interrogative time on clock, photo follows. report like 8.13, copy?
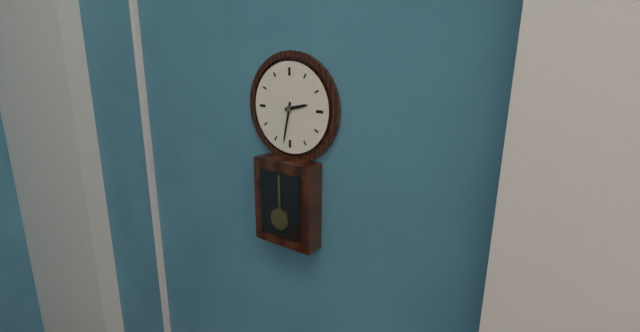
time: 2.32
